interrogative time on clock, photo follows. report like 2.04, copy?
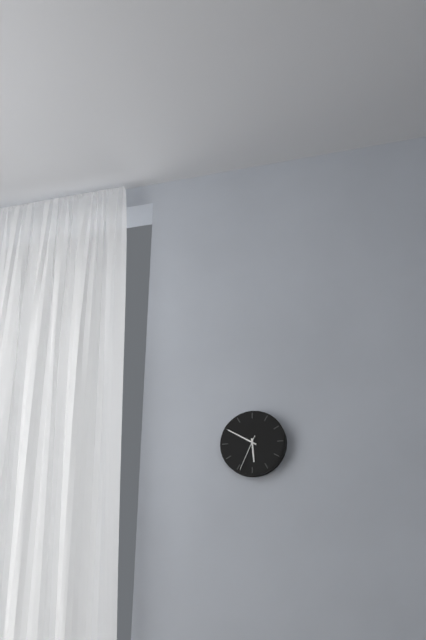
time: 5.50
